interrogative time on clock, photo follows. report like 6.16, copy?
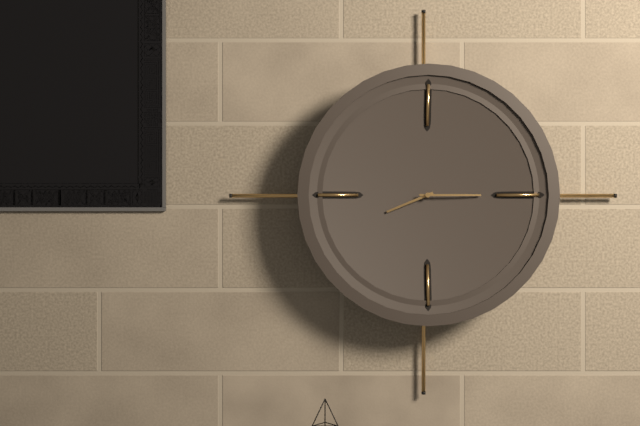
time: 8.15
